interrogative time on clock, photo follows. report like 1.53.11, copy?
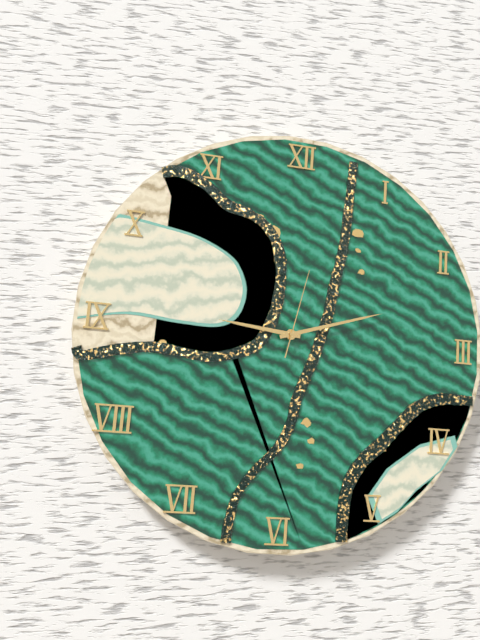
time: 9.12.02
